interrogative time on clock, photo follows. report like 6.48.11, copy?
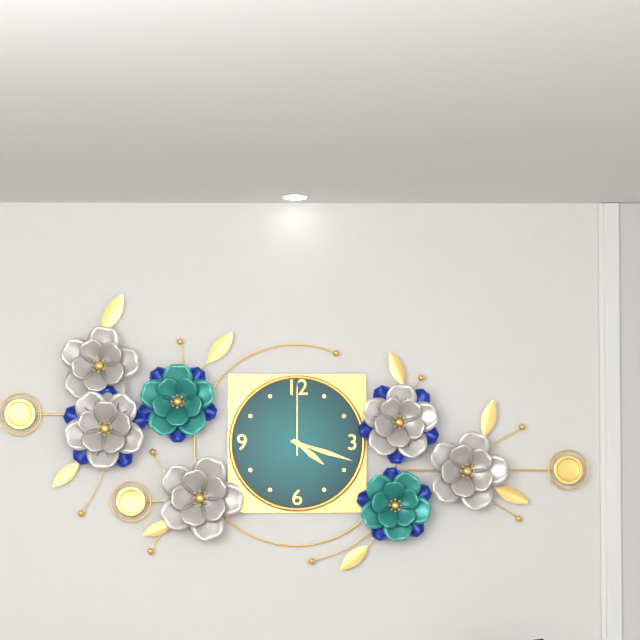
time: 4.18.00
